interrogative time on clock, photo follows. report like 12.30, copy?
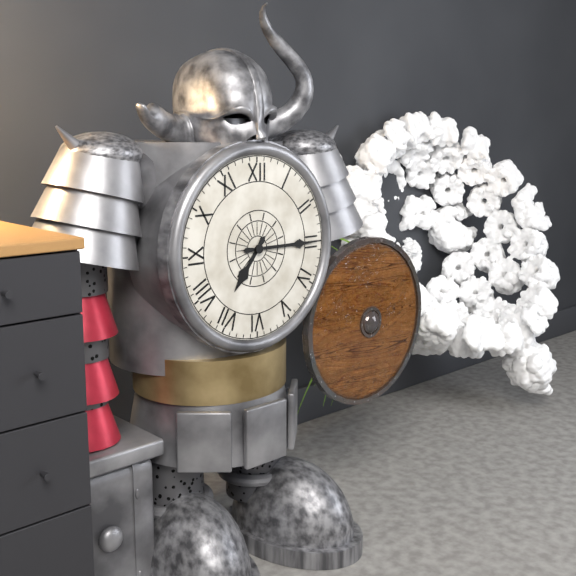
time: 7.15
